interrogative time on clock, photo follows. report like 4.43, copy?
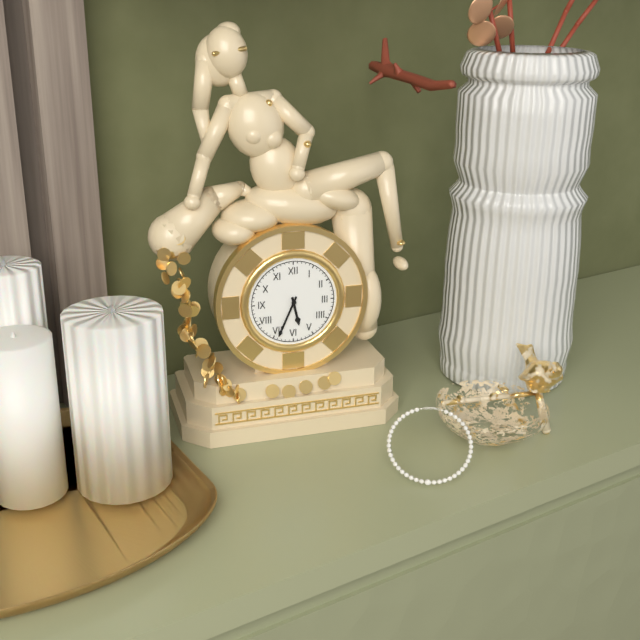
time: 5.34
